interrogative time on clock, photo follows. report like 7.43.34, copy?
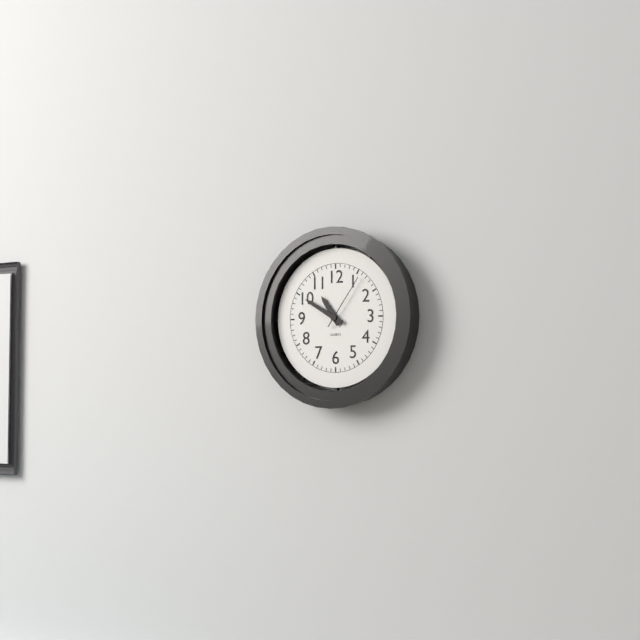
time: 10.50.06
